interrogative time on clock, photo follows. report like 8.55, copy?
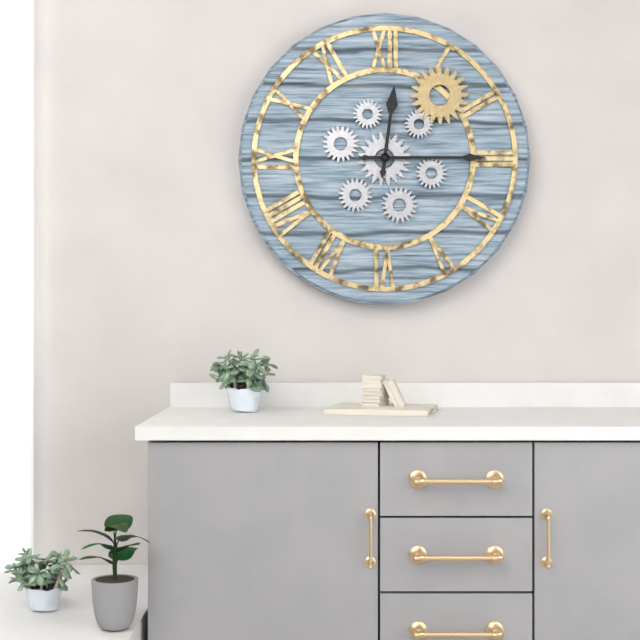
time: 12.15
